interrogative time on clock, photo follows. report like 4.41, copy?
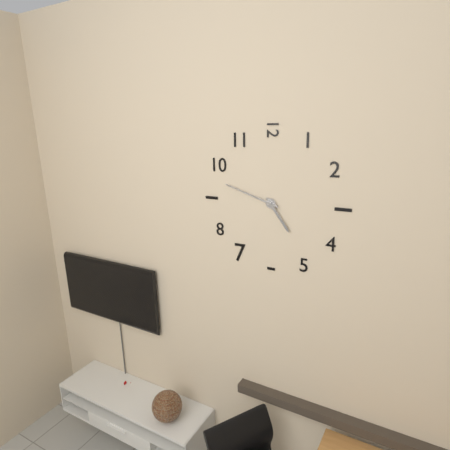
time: 4.48
